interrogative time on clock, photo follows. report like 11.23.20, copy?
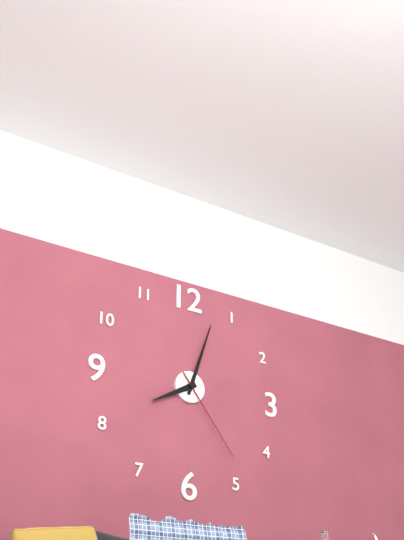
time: 8.03.24
